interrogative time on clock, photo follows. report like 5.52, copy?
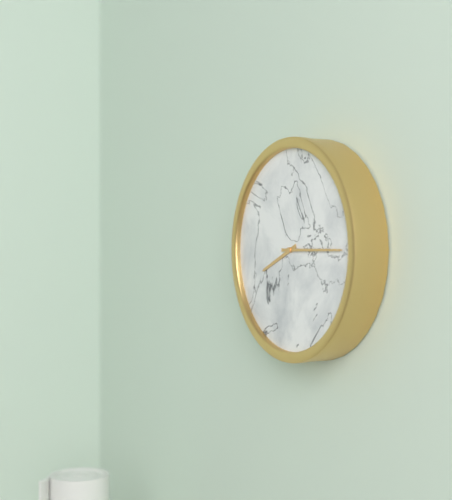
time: 8.15
